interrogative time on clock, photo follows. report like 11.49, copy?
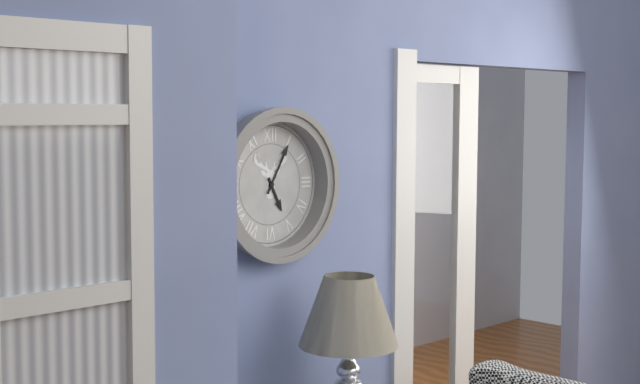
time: 5.05
